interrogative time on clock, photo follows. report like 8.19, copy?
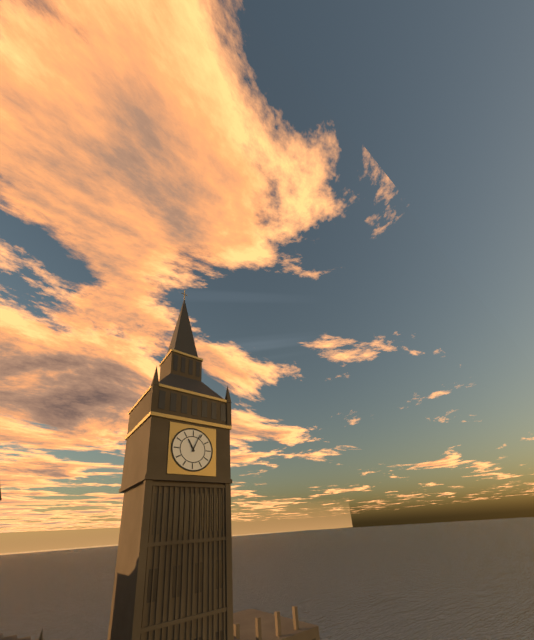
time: 11.04
